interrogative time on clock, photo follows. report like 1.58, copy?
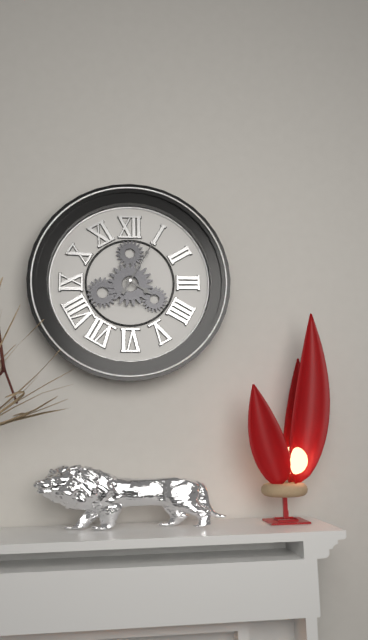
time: 4.05
